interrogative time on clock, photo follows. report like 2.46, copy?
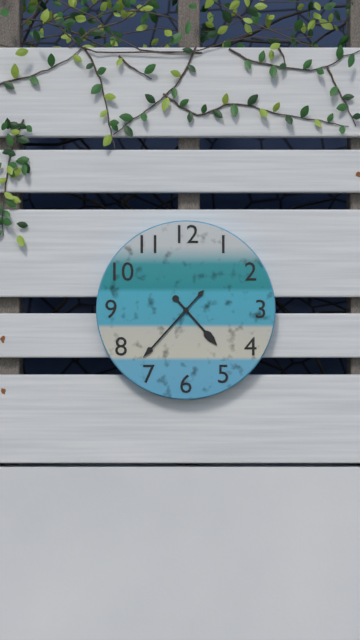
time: 4.37
